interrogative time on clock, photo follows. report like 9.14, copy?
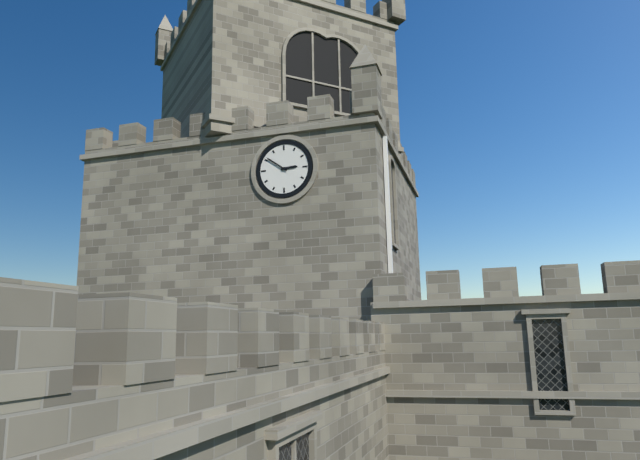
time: 2.51
